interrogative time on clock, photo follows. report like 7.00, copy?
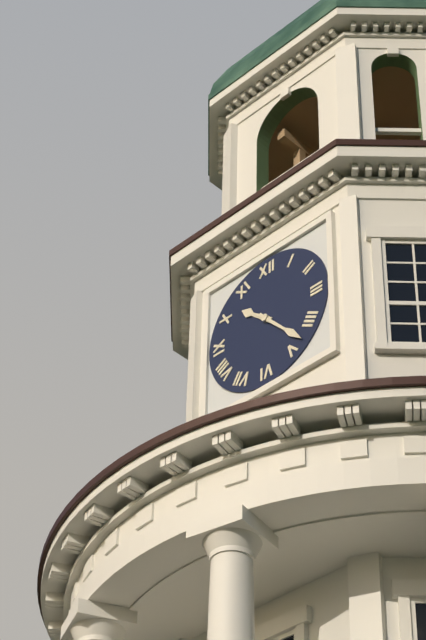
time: 10.23
